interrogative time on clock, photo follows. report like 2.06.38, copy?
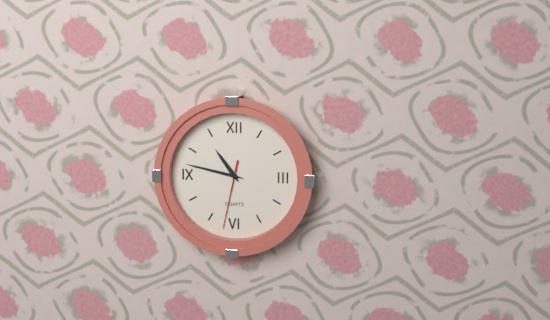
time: 10.47.32
